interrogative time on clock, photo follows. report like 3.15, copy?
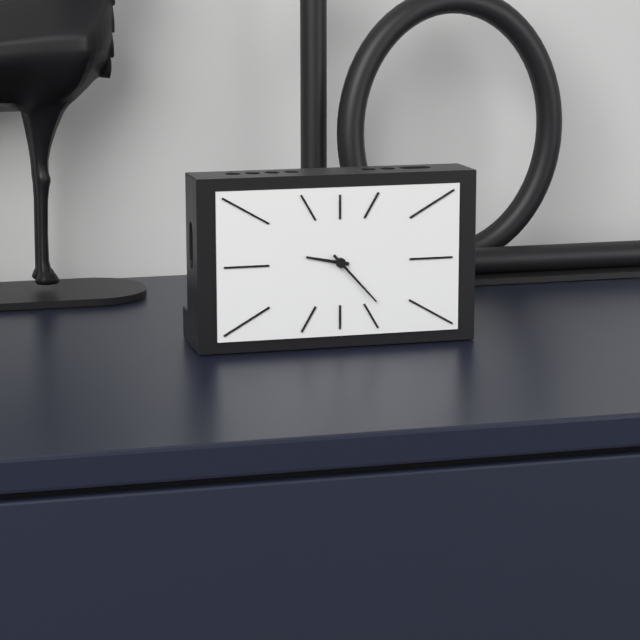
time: 9.23
